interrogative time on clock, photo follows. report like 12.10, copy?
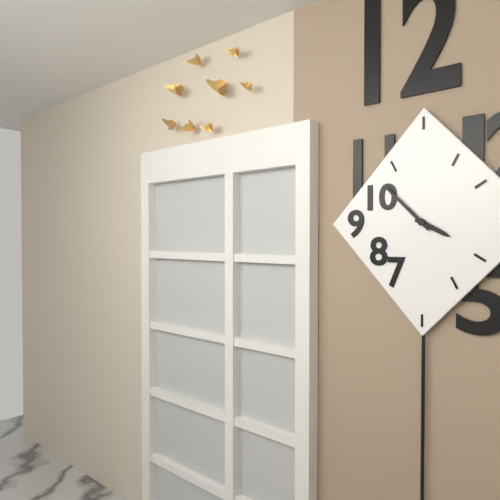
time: 3.52
